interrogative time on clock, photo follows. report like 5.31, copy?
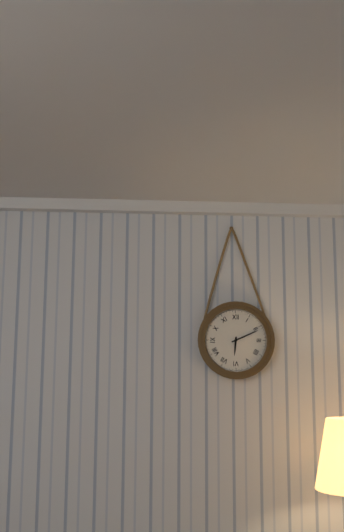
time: 6.11
